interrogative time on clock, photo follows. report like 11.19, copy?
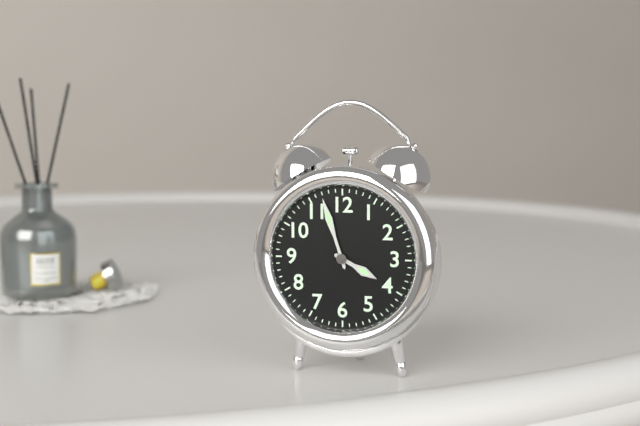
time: 3.57
